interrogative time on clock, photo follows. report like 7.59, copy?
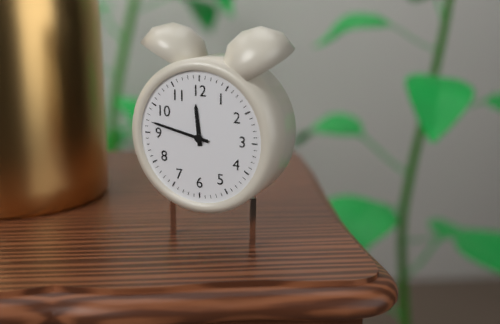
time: 11.47
